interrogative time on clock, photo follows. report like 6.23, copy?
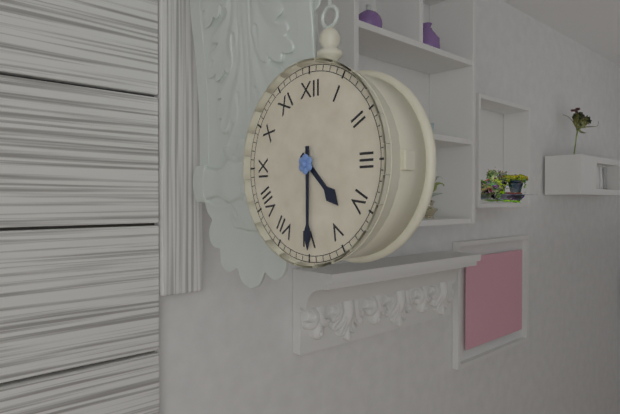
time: 4.30
